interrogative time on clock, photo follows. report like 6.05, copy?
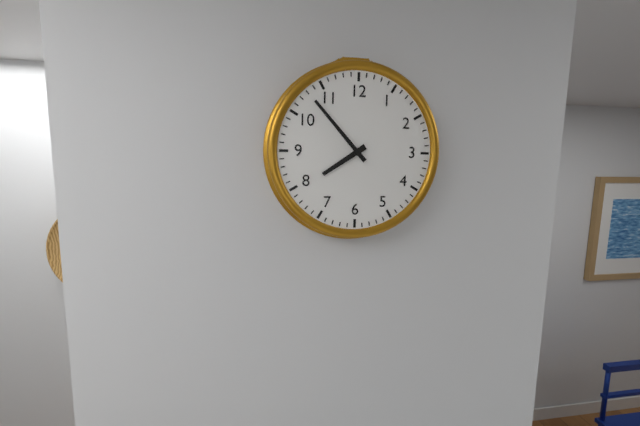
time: 7.53
